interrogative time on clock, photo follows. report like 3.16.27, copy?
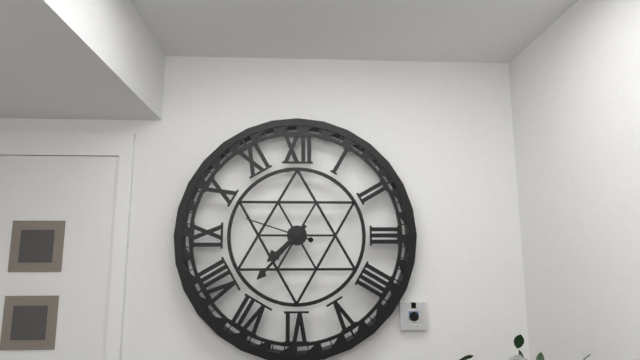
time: 7.37.48
